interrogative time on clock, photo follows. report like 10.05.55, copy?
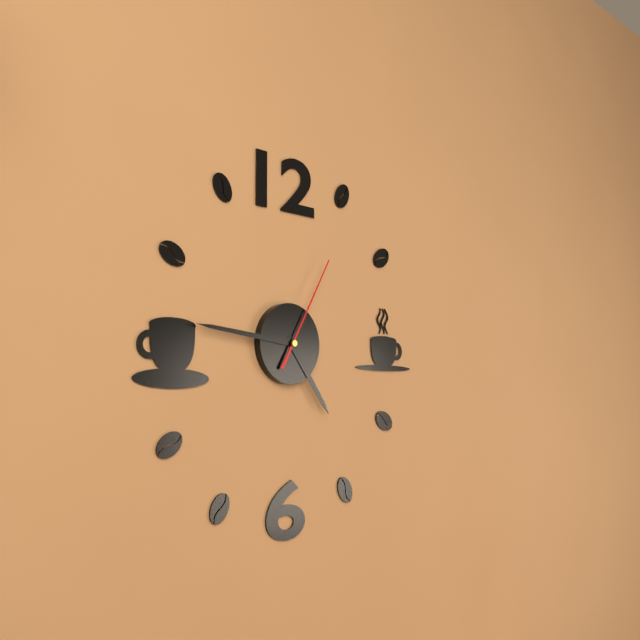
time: 4.46.05
